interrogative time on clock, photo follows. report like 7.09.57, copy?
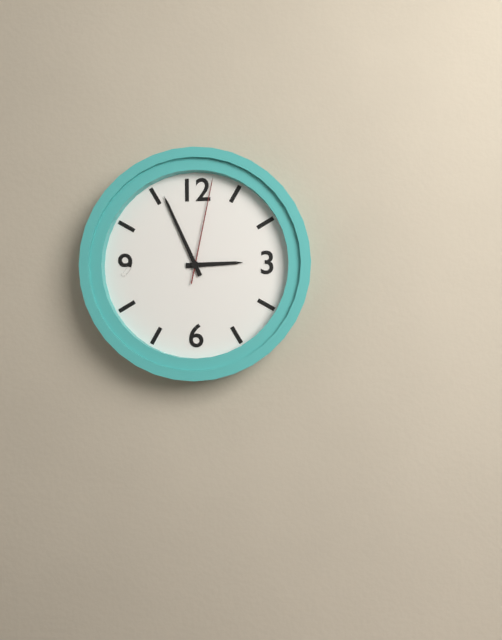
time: 2.56.02
